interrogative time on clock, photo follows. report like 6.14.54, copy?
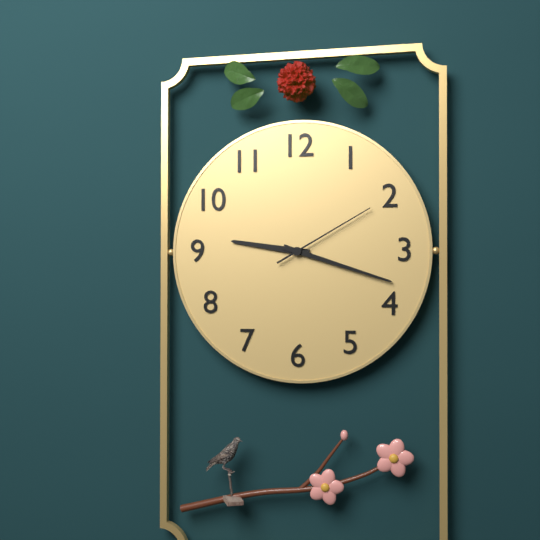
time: 9.18.10
